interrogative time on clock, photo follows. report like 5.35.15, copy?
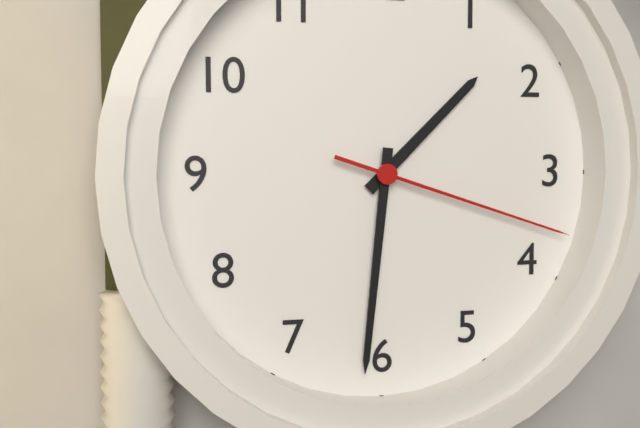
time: 1.31.18
